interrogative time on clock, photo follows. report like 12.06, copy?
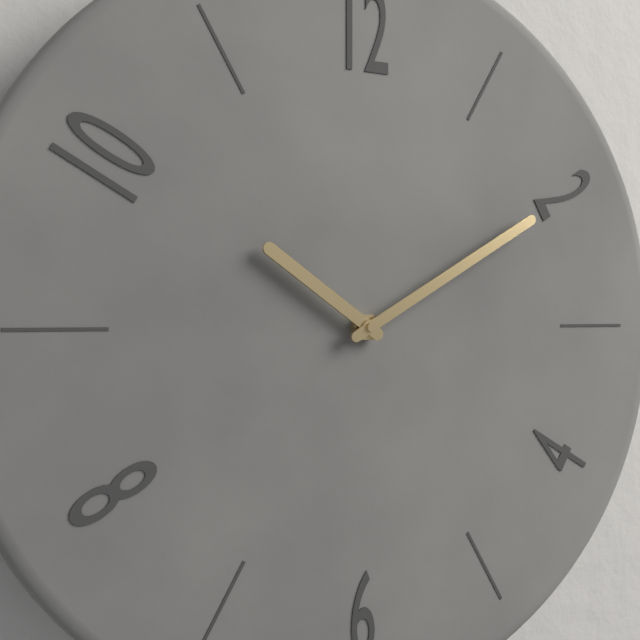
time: 10.10
